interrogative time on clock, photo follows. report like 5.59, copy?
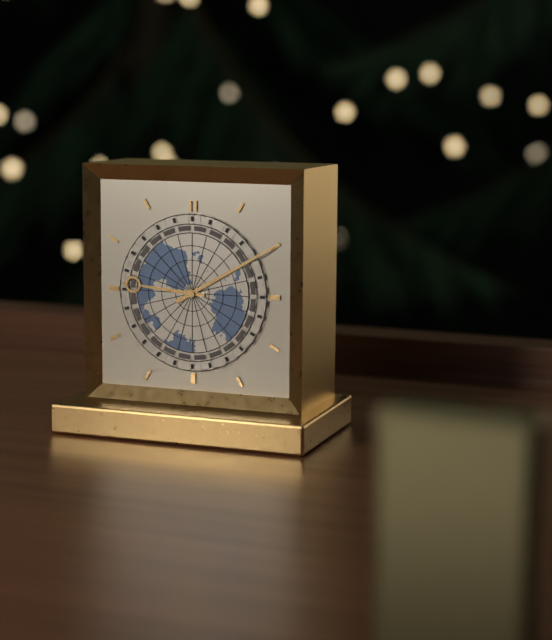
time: 9.10
